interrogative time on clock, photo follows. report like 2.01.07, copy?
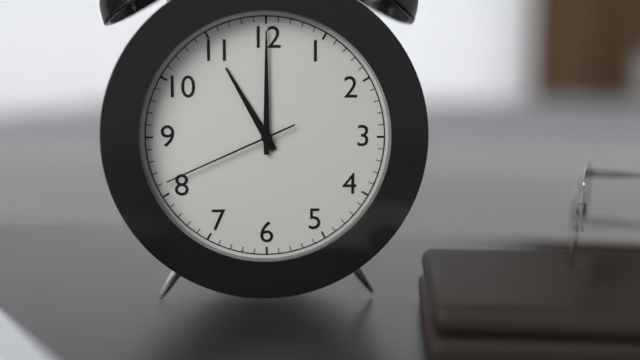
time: 11.00.41
